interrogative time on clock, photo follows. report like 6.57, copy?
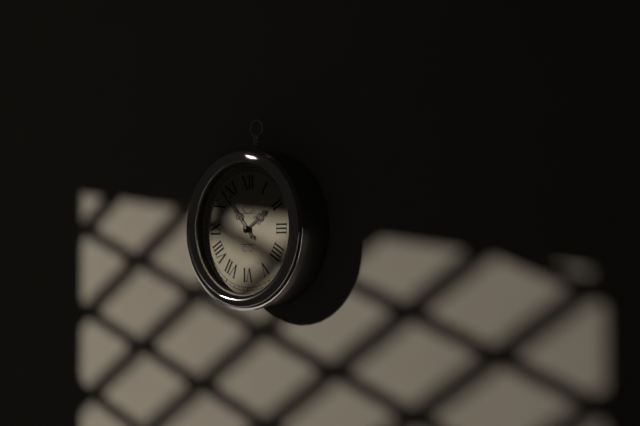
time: 1.53
